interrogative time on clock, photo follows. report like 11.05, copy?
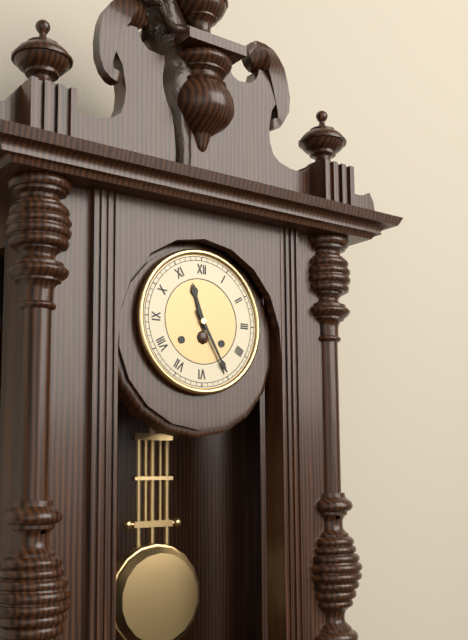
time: 11.25
